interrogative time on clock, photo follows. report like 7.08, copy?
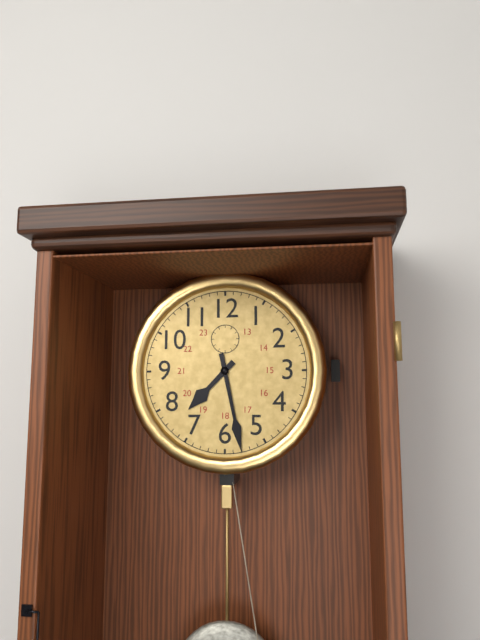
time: 7.28
